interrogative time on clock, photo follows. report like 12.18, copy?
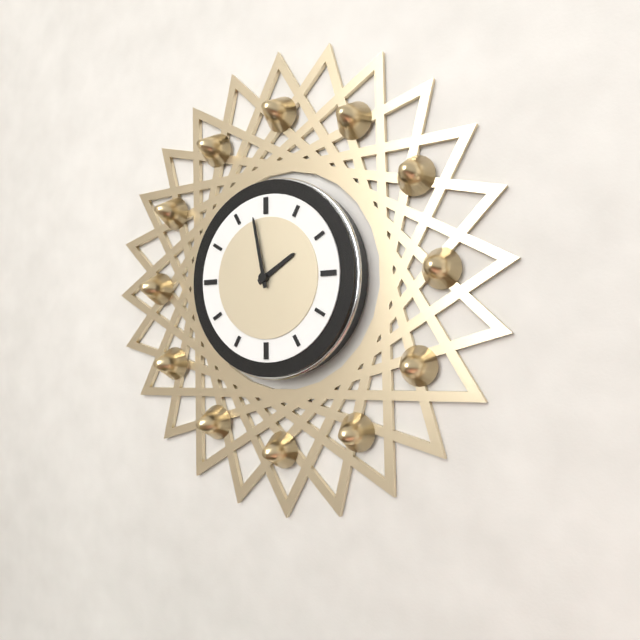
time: 1.58
